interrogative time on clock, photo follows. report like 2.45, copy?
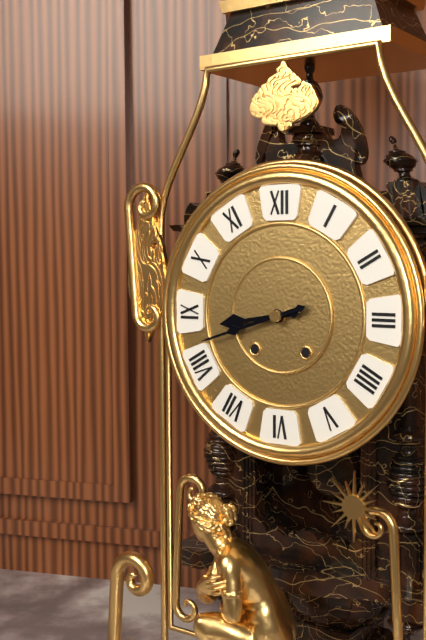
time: 8.42
